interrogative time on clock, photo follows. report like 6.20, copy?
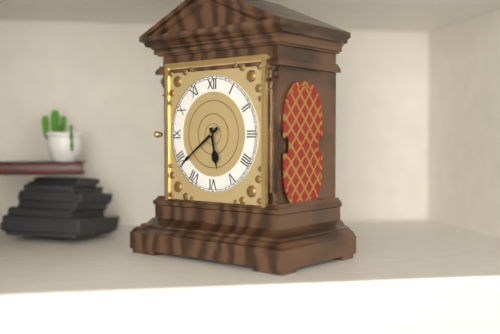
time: 5.39
